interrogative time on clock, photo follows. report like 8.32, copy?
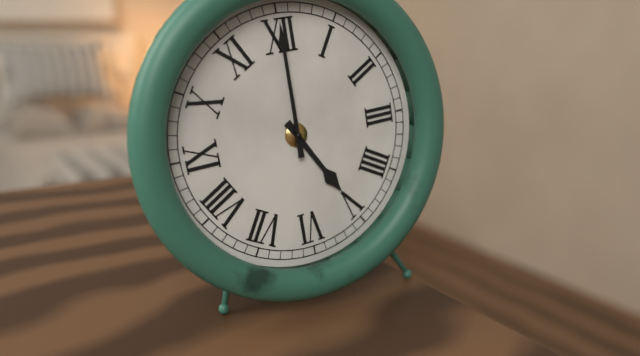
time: 5.00
